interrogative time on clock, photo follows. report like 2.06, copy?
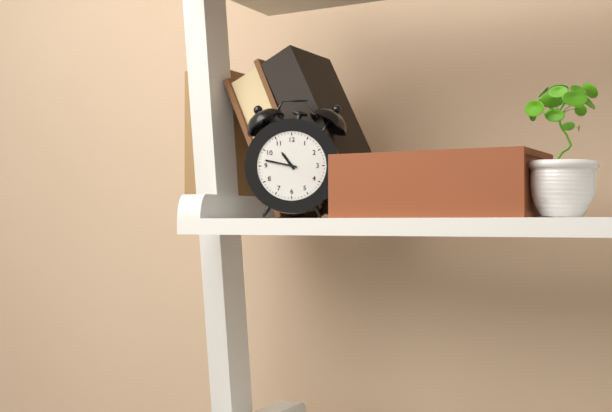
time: 10.47
